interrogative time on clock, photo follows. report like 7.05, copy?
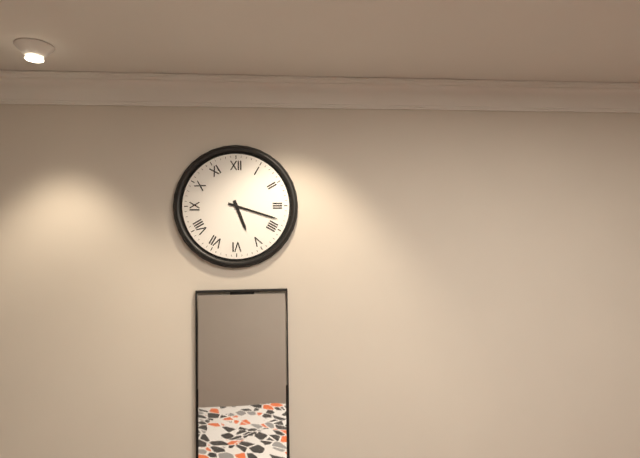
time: 5.18
